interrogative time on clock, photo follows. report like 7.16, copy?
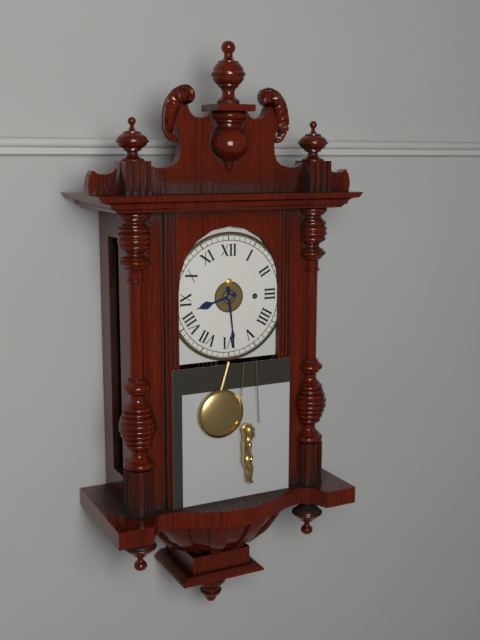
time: 8.29
